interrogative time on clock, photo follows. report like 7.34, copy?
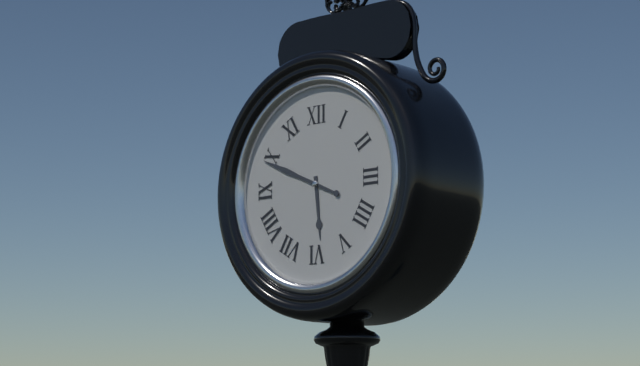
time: 5.49
